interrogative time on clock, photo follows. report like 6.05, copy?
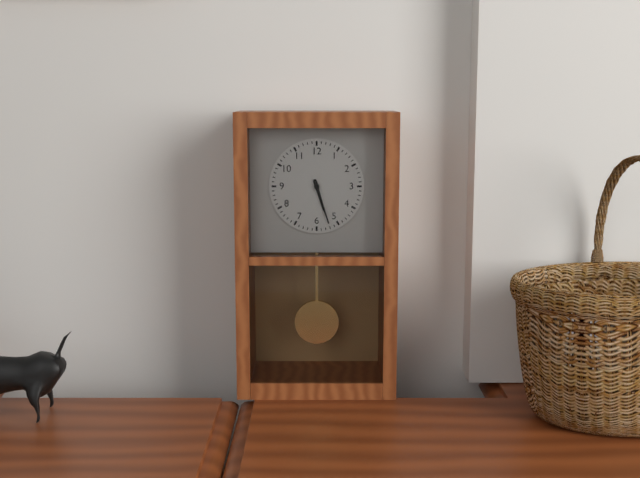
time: 5.27
